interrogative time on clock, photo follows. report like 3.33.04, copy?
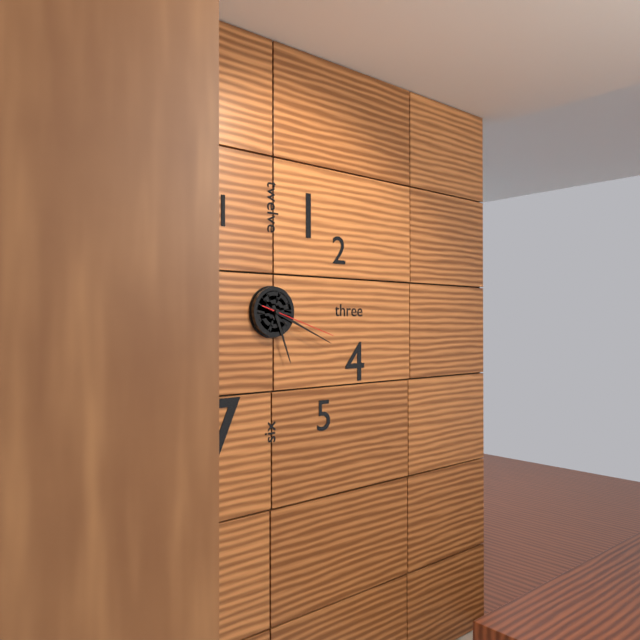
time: 5.19.18
